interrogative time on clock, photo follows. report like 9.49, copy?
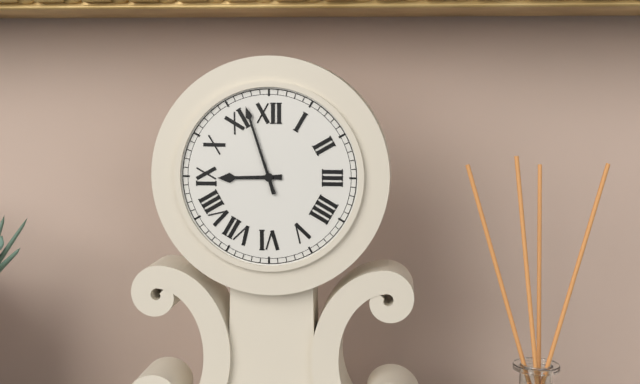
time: 8.57
